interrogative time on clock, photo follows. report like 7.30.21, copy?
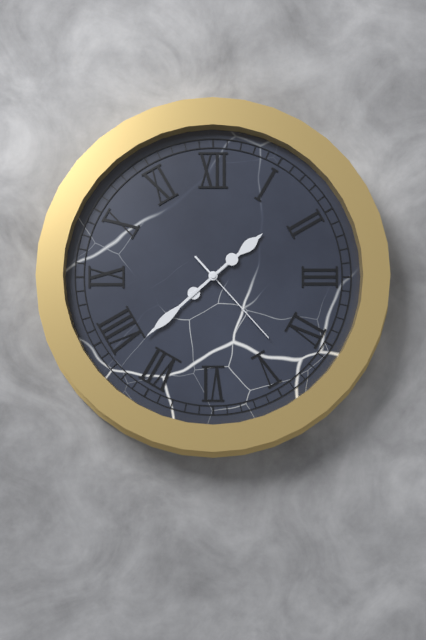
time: 1.38.23
